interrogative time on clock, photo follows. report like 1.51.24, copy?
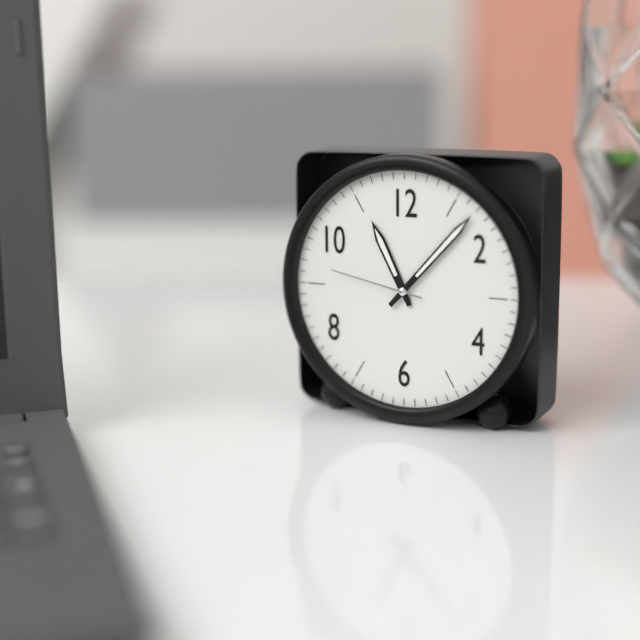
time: 11.07.47
